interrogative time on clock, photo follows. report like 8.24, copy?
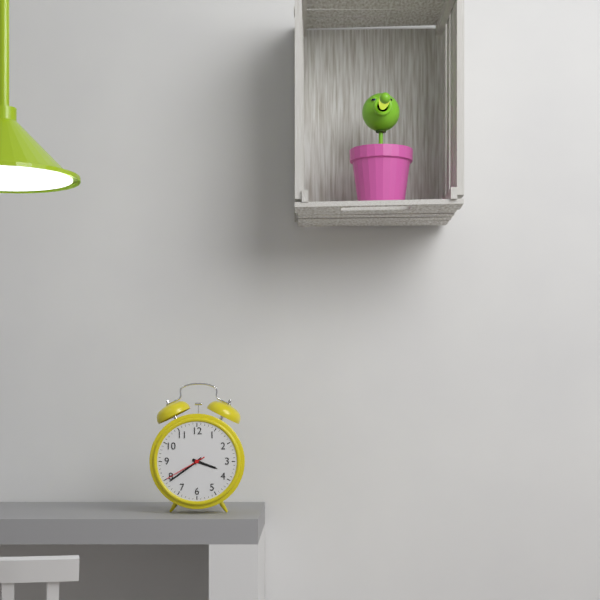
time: 3.39
